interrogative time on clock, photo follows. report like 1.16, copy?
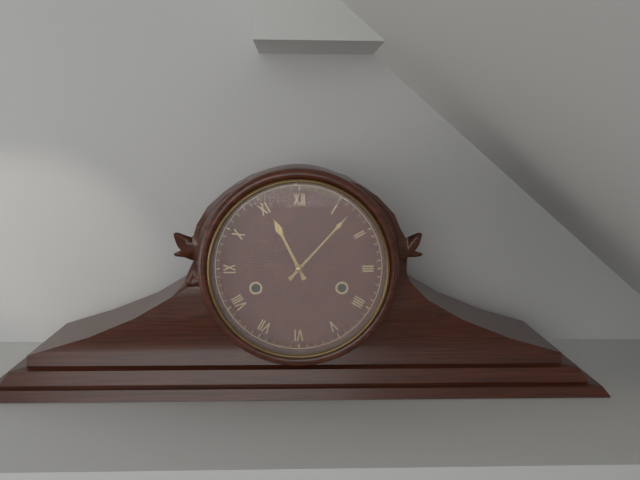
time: 11.07
